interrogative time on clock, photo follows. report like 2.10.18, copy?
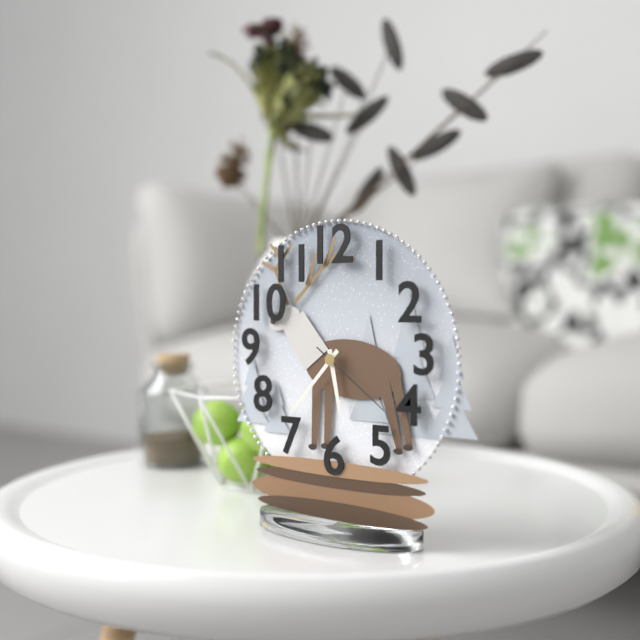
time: 5.37.21
